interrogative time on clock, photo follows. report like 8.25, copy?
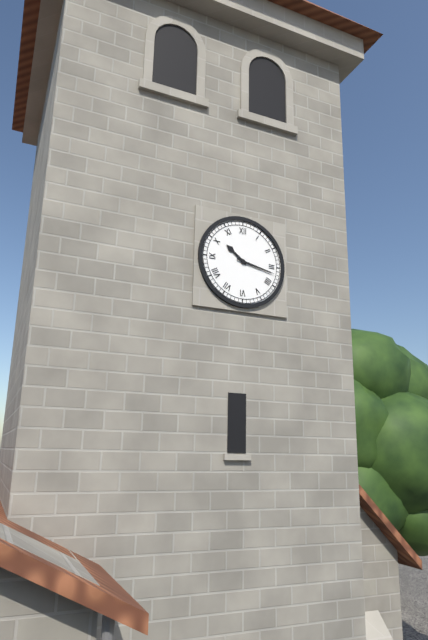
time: 10.17
